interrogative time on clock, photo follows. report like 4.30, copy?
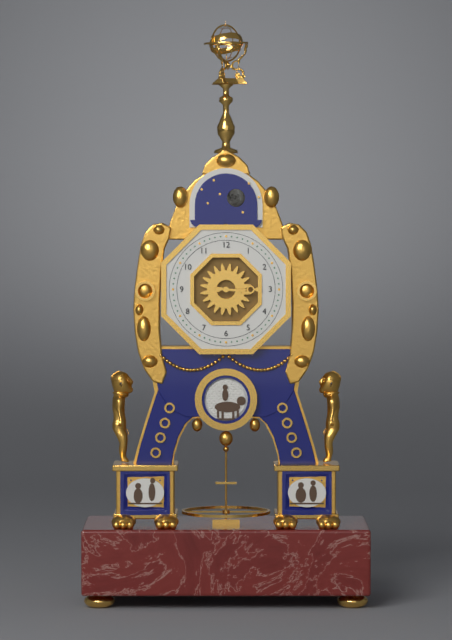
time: 3.15
